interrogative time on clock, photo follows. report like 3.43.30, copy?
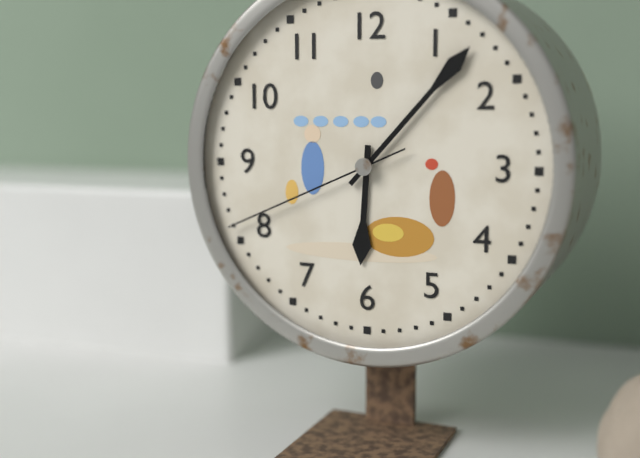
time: 6.07.41
